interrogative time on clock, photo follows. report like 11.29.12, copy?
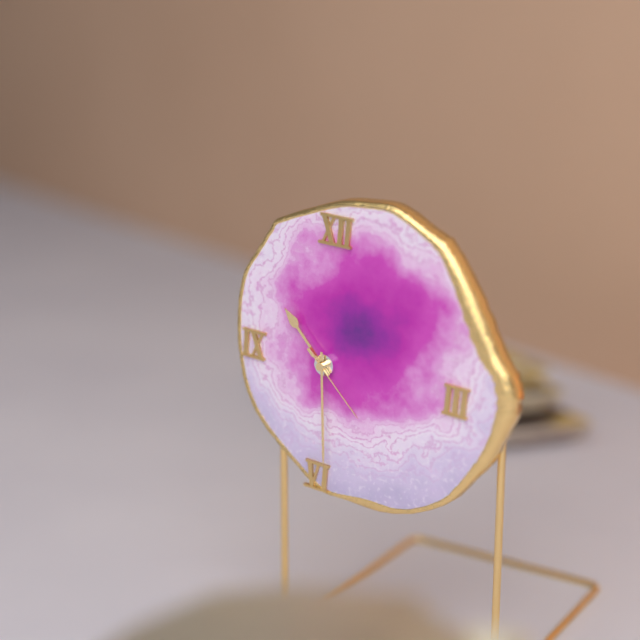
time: 10.29.22
